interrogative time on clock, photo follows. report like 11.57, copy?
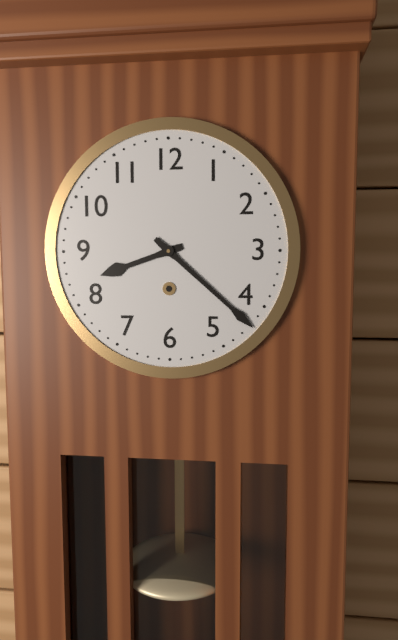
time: 8.22
